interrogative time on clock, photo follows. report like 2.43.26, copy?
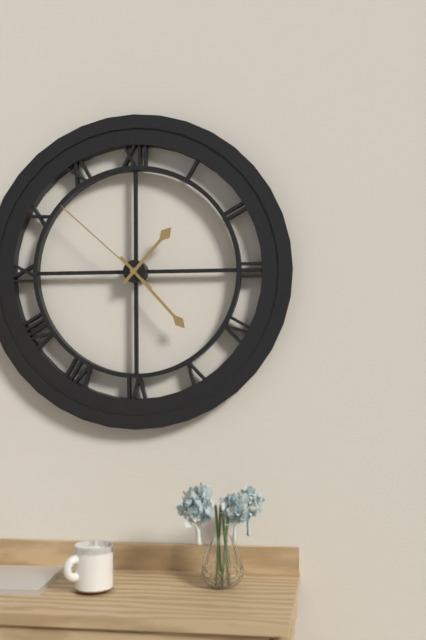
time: 1.23.52
